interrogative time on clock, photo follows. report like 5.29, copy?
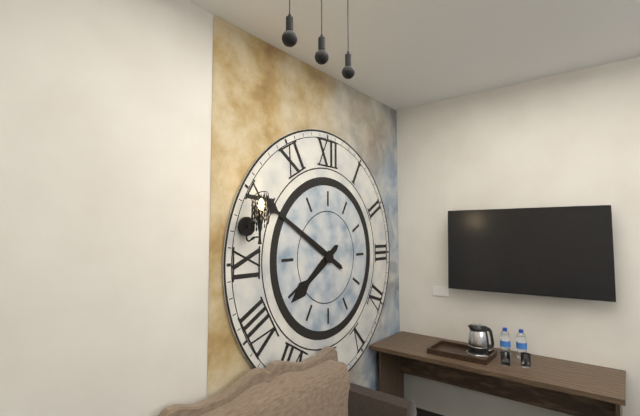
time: 7.50
